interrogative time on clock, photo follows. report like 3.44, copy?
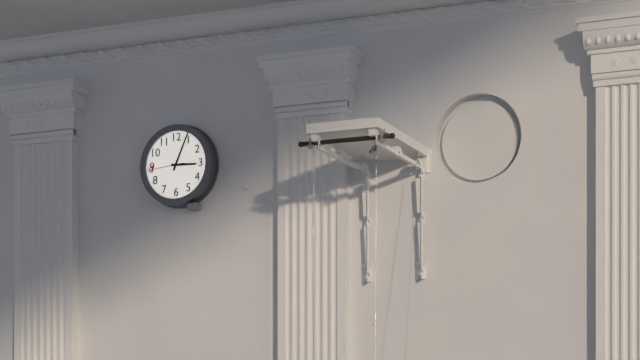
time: 3.04
